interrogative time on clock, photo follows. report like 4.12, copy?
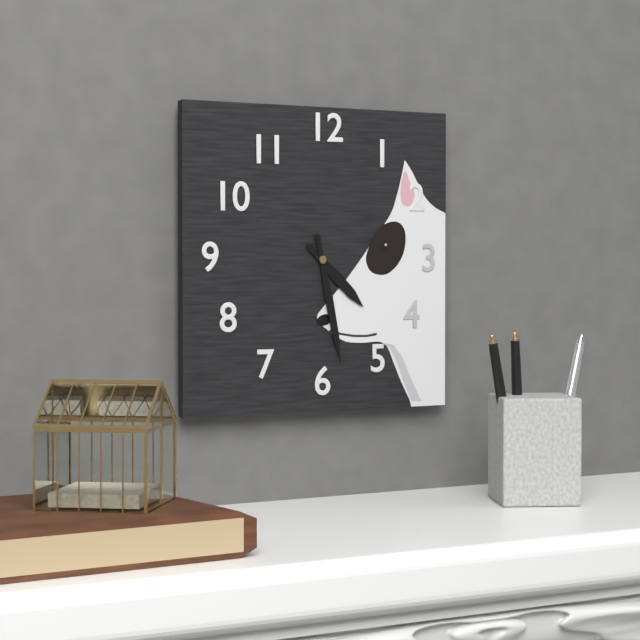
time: 4.28
